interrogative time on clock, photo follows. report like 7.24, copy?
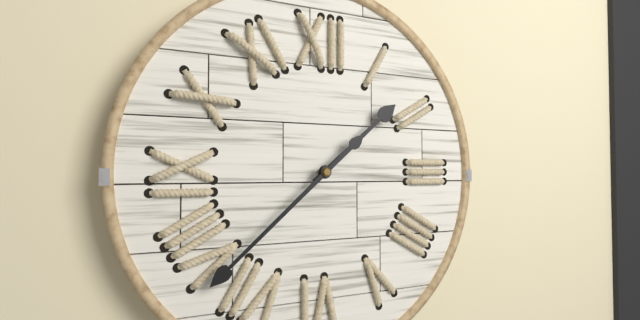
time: 1.38
